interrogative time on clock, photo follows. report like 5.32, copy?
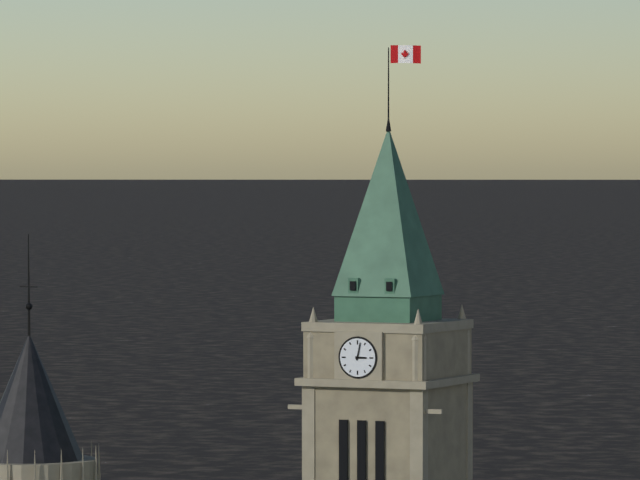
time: 3.02
